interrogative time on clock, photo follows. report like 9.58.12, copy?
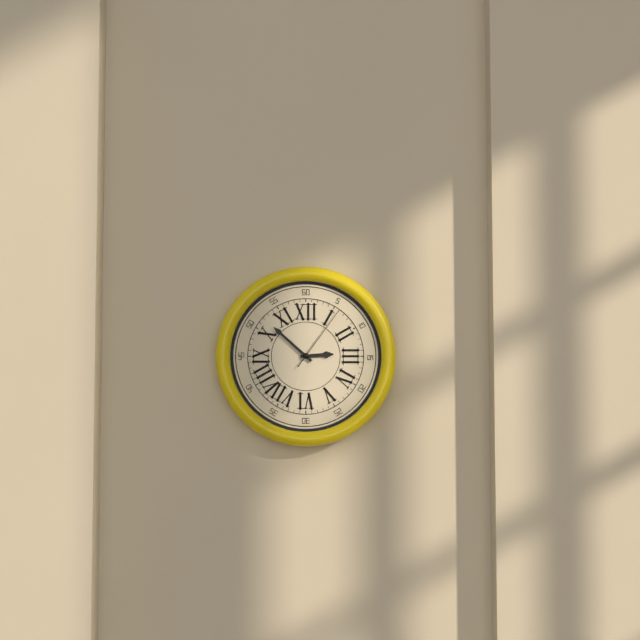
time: 2.52.06
